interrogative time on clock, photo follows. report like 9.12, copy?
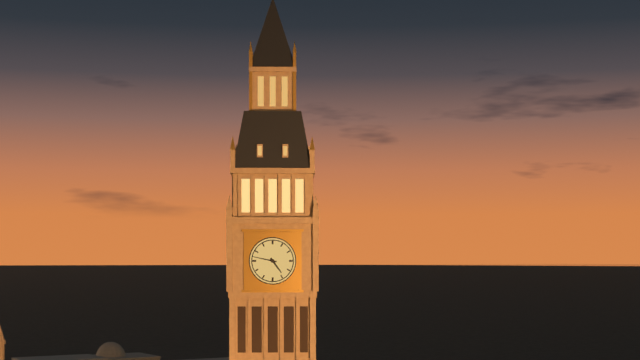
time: 4.47
